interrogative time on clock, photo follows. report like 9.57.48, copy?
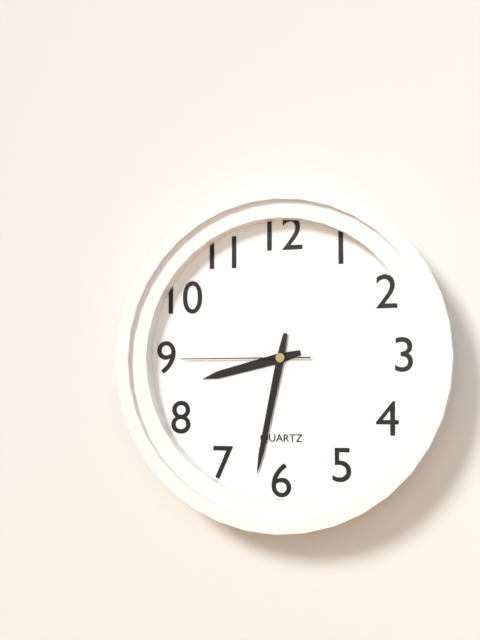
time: 8.32.45
